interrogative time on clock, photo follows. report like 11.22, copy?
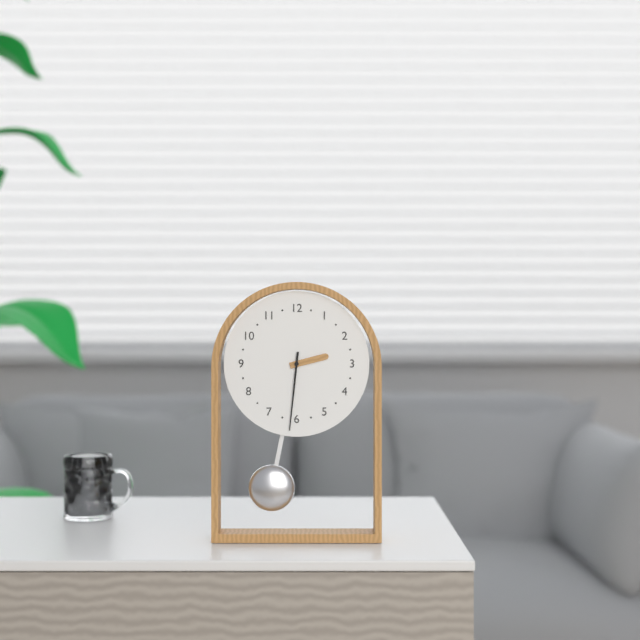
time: 2.31
